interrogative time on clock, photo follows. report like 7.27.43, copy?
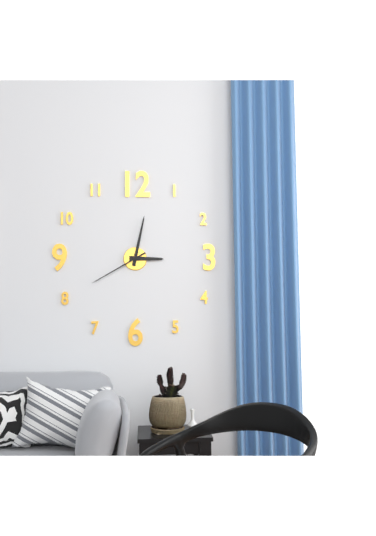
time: 3.02.40
